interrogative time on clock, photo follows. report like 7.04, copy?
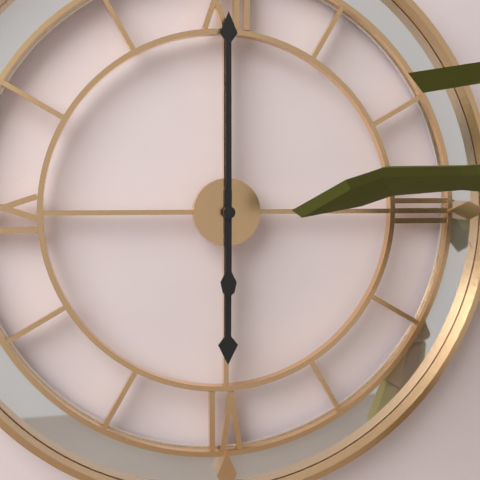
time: 6.00
